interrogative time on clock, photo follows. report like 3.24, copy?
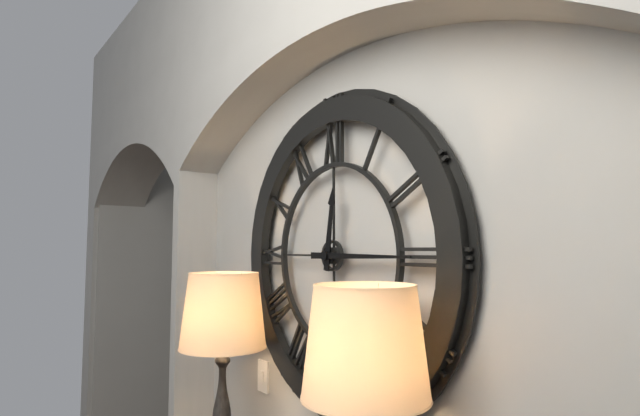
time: 12.15
